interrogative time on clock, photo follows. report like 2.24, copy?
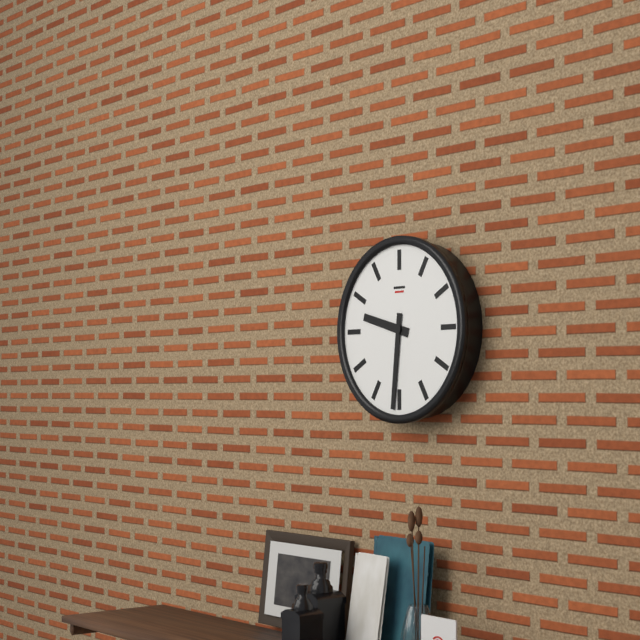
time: 9.31
